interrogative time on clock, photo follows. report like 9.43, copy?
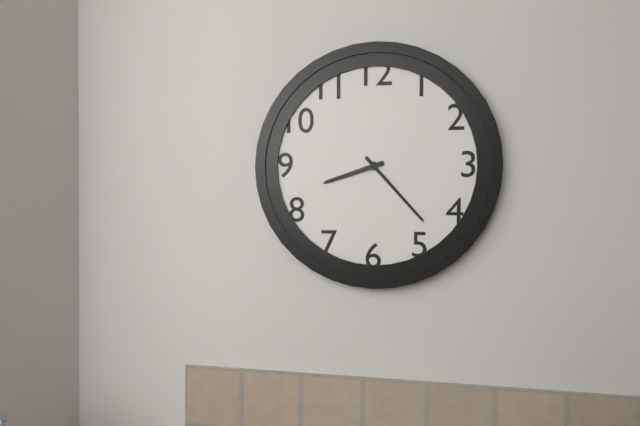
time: 8.23
